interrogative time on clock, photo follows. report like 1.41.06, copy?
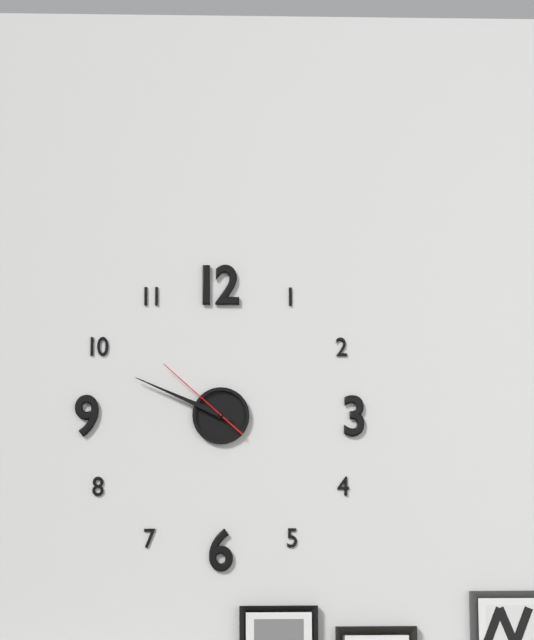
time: 9.49.52
